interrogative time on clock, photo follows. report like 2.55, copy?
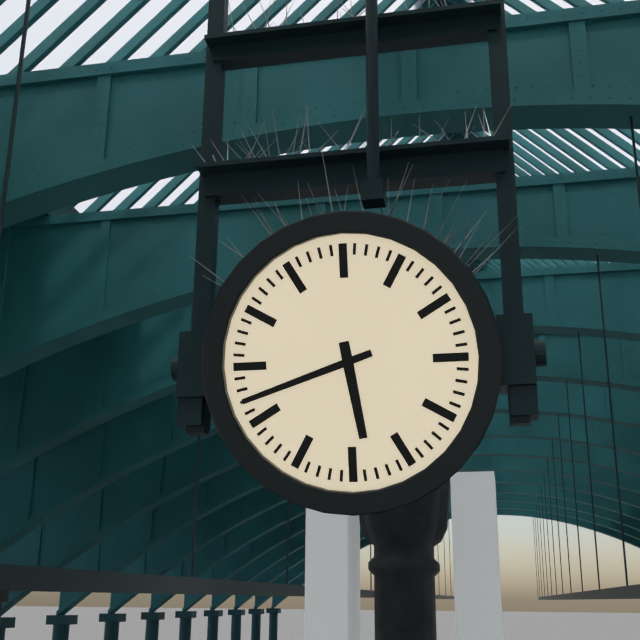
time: 5.42
